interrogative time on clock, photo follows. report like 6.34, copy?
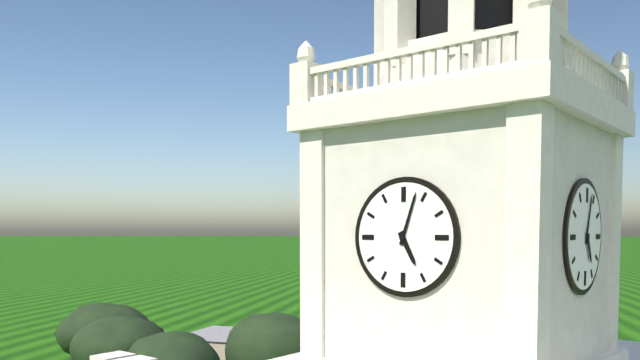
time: 5.03
